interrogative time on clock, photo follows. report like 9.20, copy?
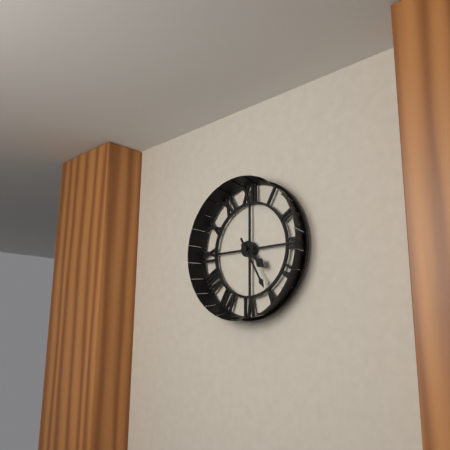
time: 4.25
